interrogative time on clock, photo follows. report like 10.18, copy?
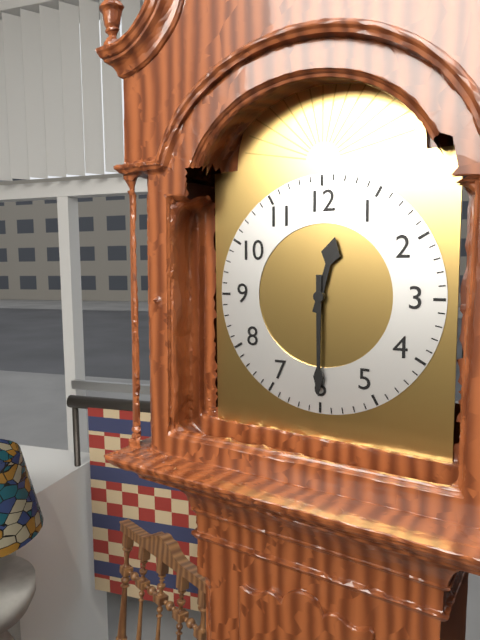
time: 12.30
